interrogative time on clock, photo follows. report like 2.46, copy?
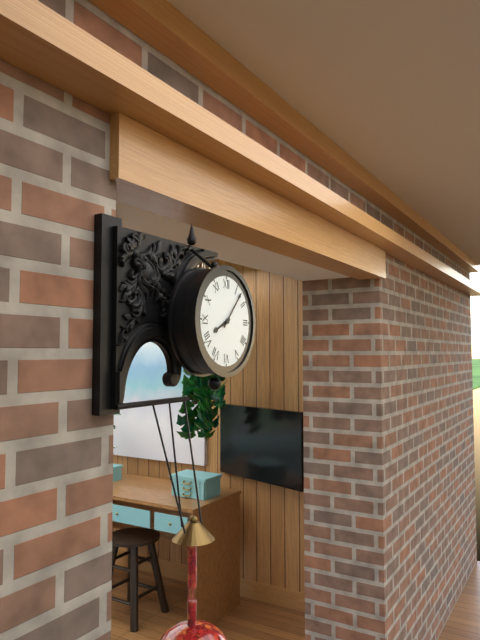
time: 8.07
